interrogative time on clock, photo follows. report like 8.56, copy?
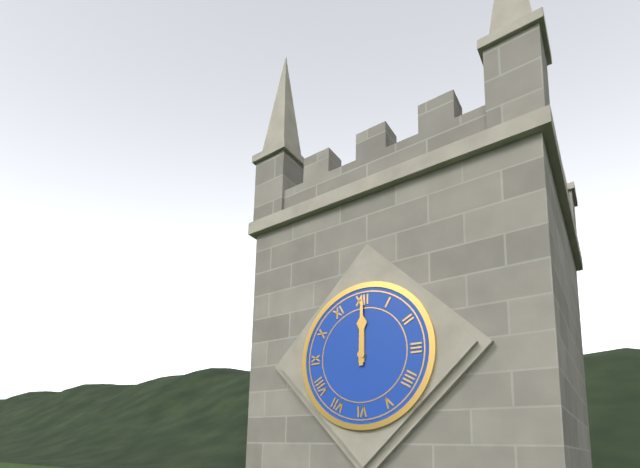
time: 12.00
